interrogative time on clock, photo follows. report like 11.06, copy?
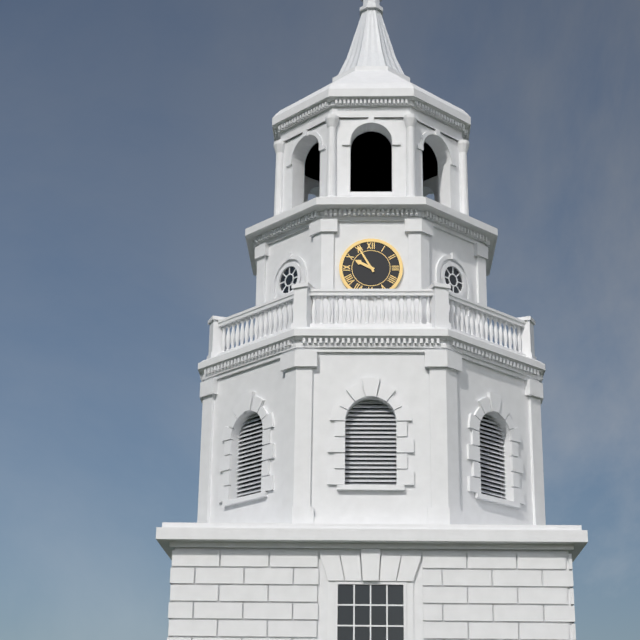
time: 9.55
